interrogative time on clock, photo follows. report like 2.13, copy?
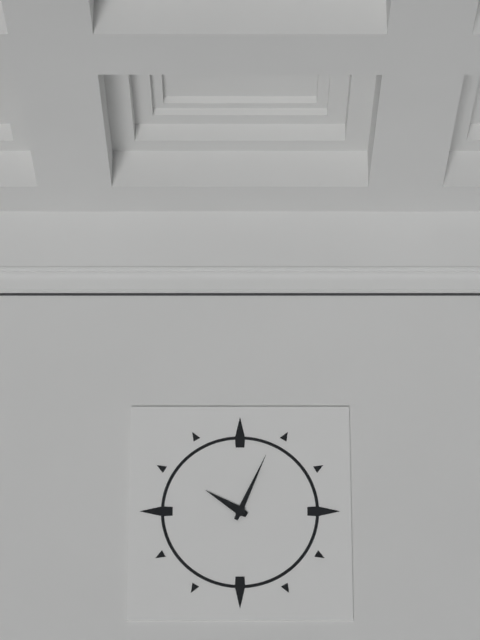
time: 10.04
